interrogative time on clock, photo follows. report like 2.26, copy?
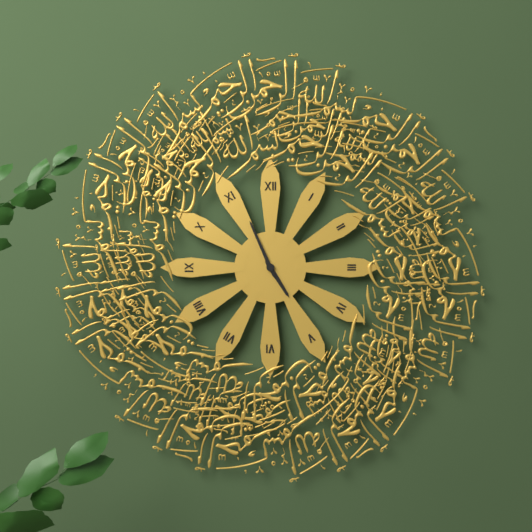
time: 4.56
